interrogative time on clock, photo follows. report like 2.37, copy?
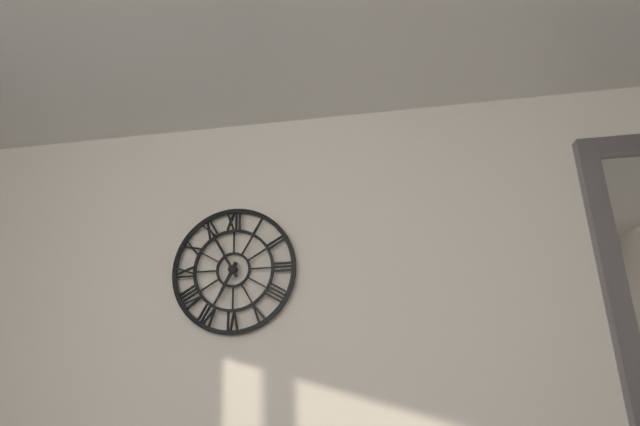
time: 6.55
